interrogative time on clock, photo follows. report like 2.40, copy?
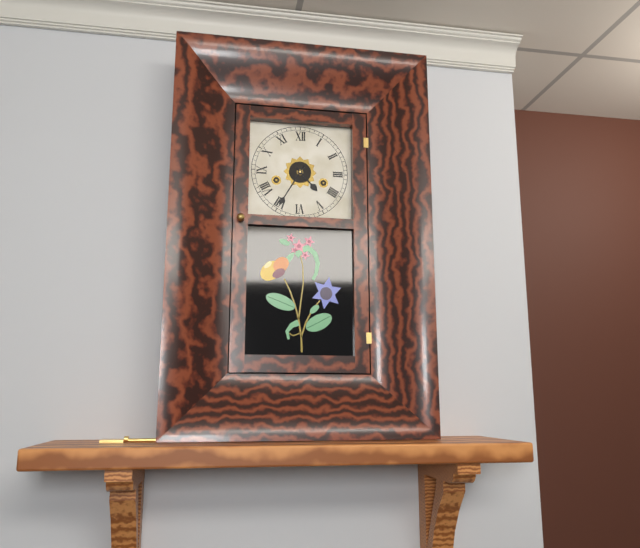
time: 4.35
